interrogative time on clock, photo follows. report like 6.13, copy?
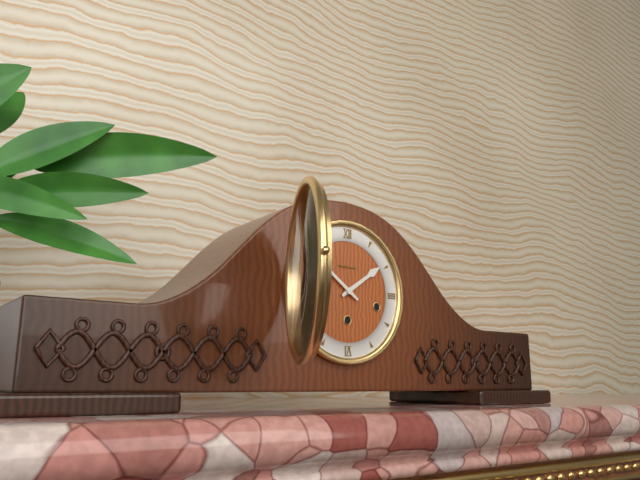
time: 1.51
